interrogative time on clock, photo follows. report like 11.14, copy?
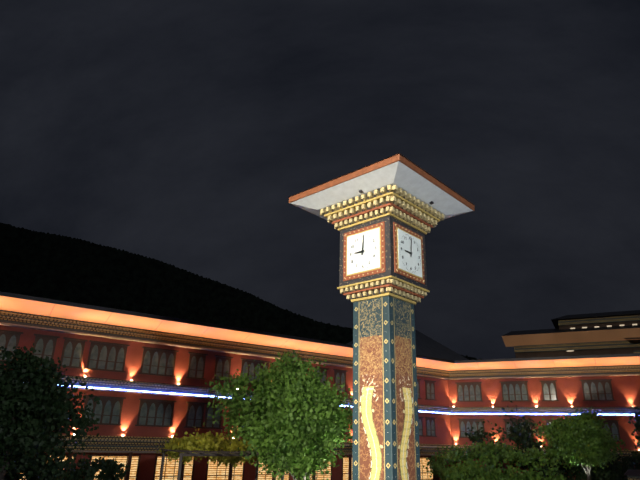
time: 9.01
